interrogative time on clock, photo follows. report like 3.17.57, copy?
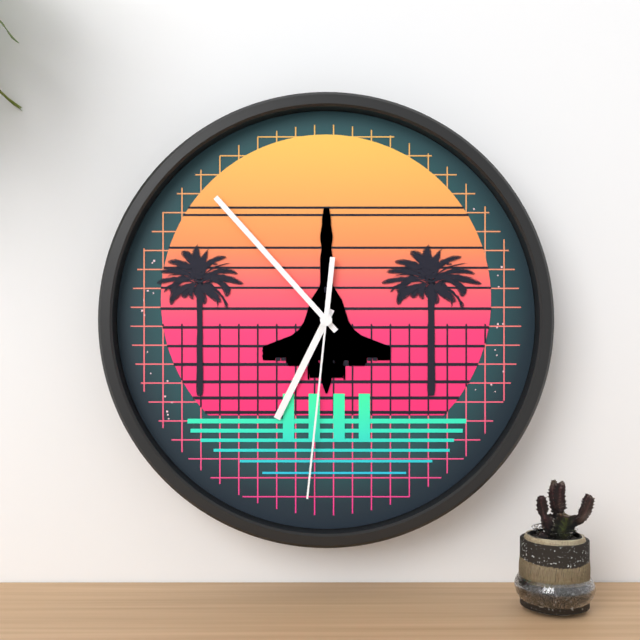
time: 6.53.31
